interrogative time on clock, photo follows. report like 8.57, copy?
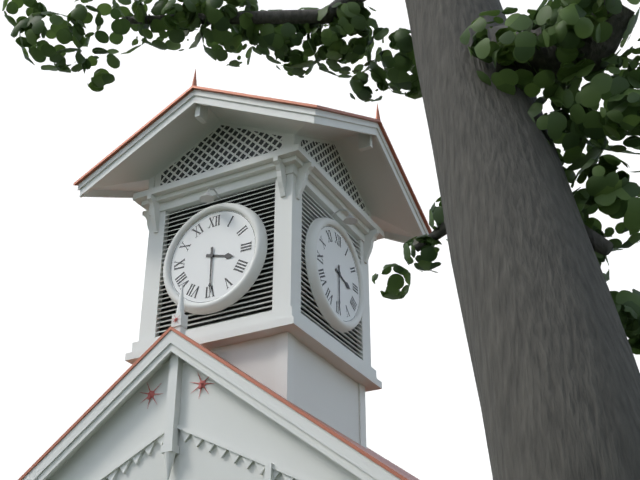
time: 3.30
